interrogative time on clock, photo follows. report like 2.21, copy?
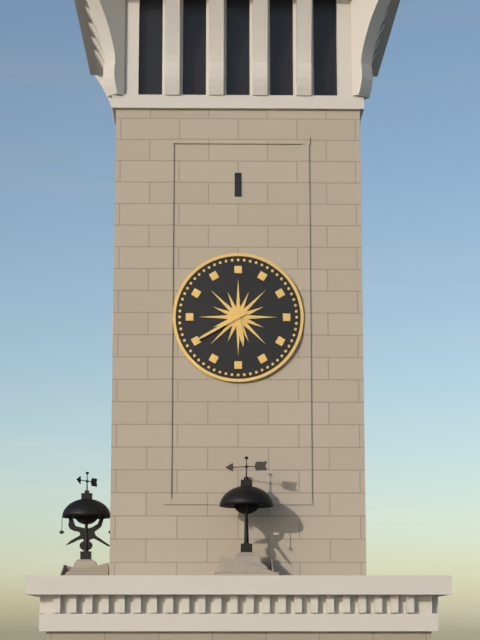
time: 5.40
